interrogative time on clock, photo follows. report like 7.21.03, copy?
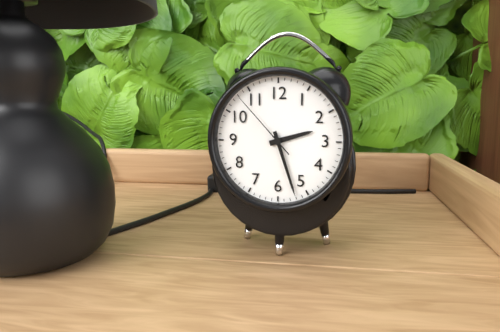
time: 2.27.53
